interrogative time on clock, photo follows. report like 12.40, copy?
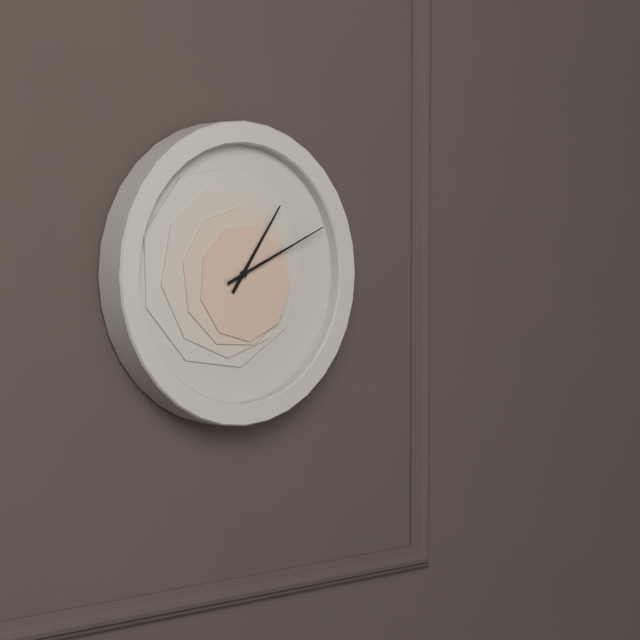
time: 1.11
